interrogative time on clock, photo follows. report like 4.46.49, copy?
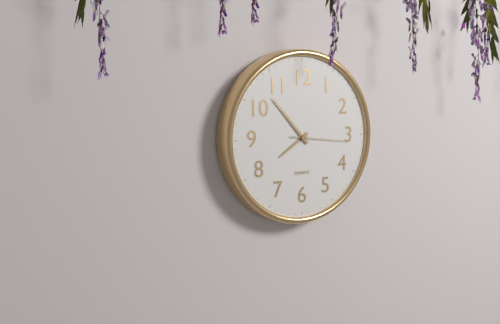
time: 7.53.16
